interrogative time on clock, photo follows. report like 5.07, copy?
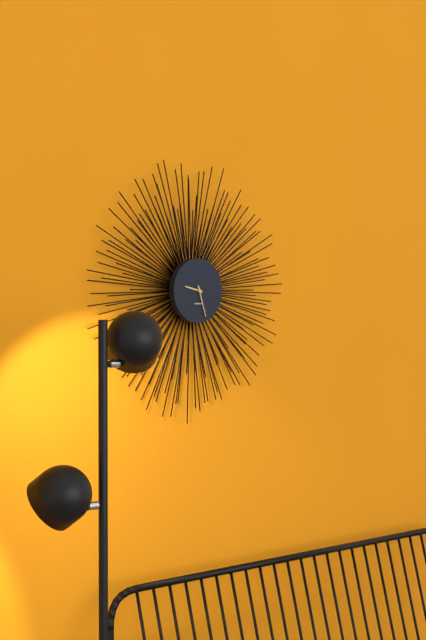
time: 9.27
